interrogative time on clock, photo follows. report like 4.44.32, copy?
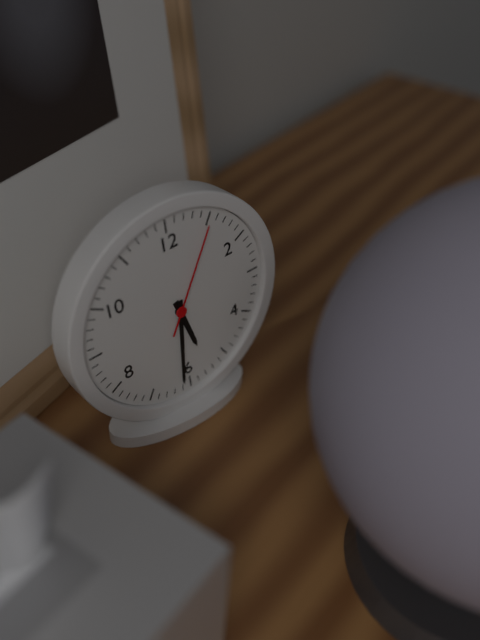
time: 5.31.05
